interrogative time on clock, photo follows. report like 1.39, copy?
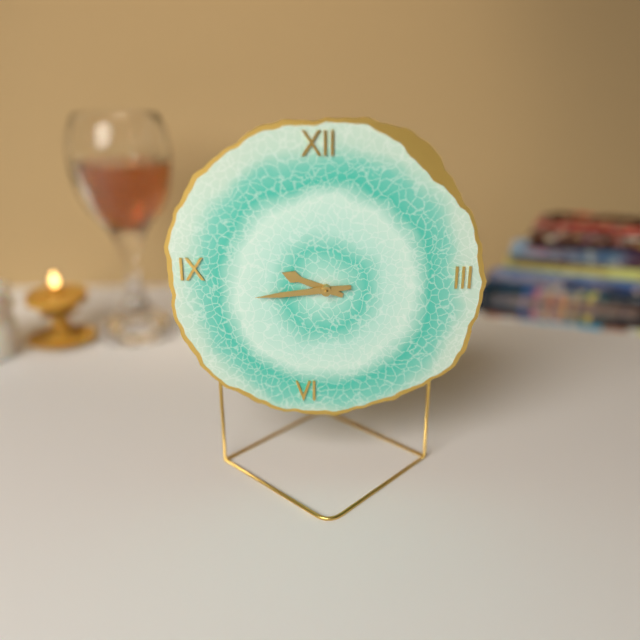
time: 9.44
